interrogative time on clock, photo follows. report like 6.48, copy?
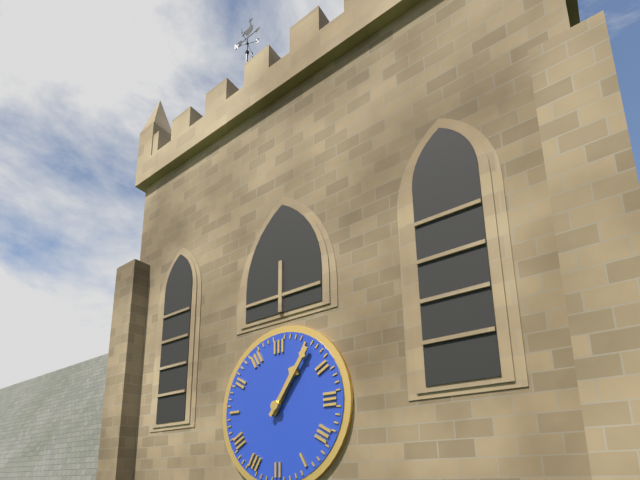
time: 1.06
